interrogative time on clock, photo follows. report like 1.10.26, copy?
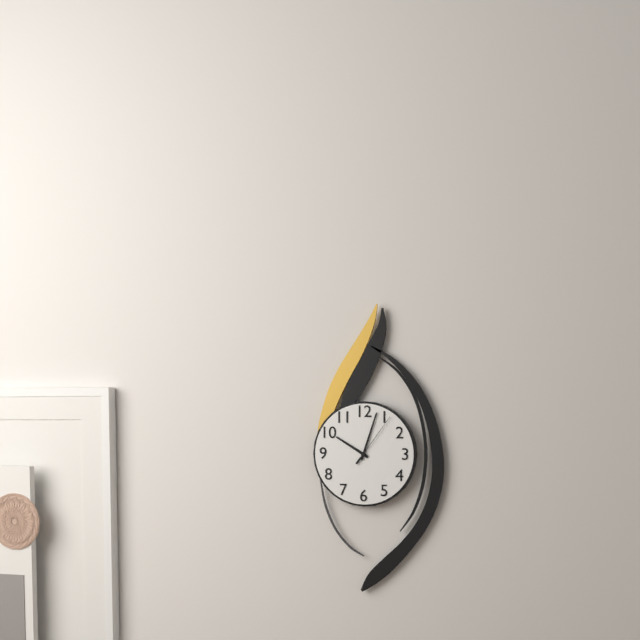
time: 10.03.06
